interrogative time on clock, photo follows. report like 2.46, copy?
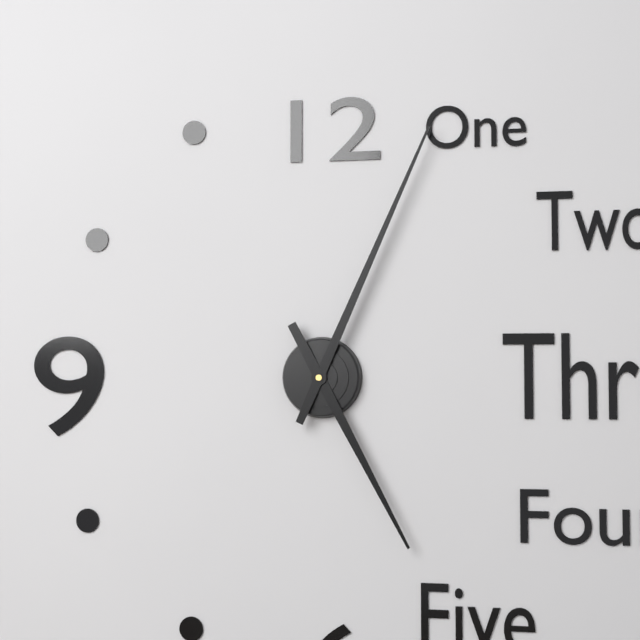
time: 5.04
